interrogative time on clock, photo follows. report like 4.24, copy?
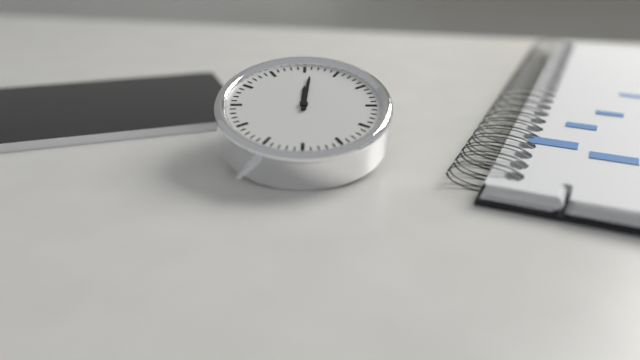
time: 12.01
